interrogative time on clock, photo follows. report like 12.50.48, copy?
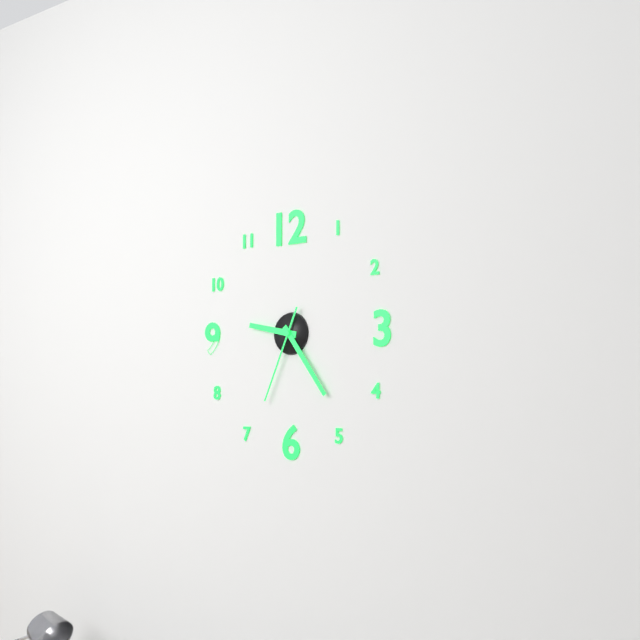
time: 9.24.34
